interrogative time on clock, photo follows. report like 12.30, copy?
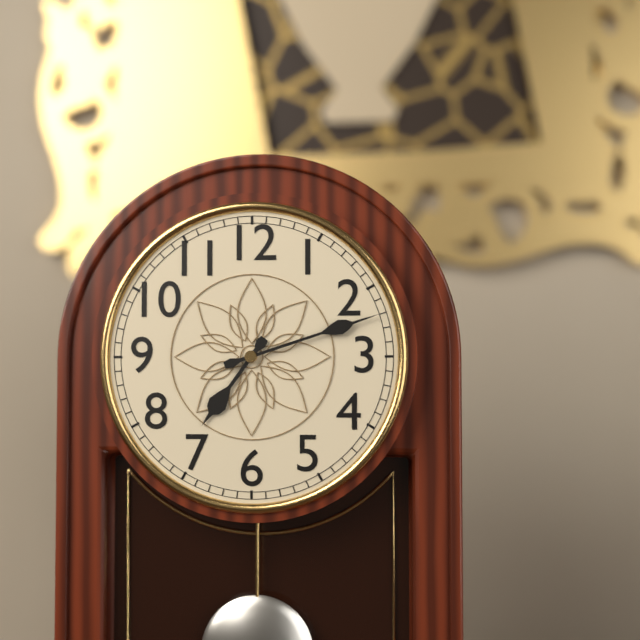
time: 7.12
